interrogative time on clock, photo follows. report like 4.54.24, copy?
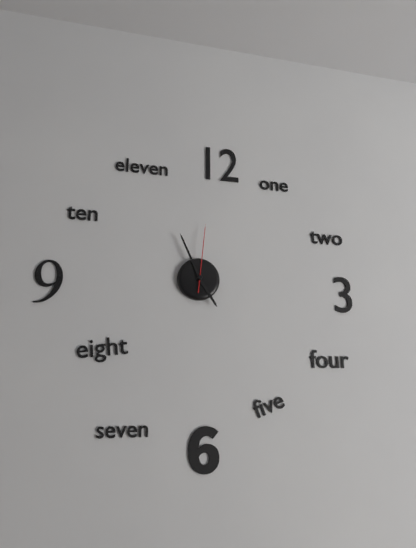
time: 4.56.01
